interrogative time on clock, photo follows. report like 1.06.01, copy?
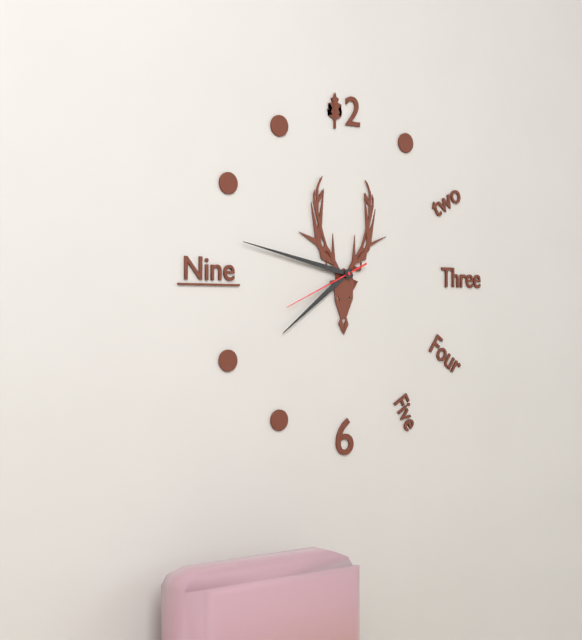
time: 7.47.41
